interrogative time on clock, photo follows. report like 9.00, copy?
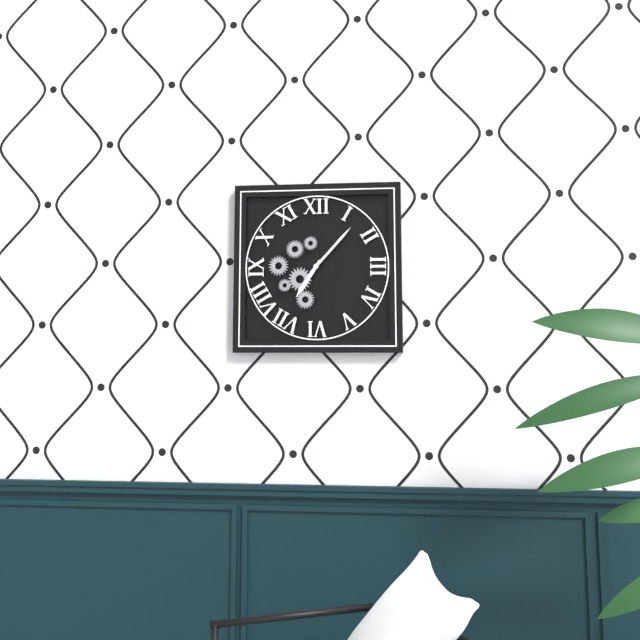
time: 7.07
